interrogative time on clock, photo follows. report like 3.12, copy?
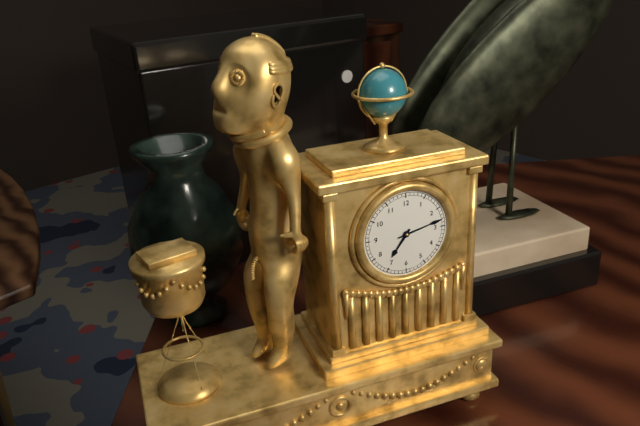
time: 7.13
